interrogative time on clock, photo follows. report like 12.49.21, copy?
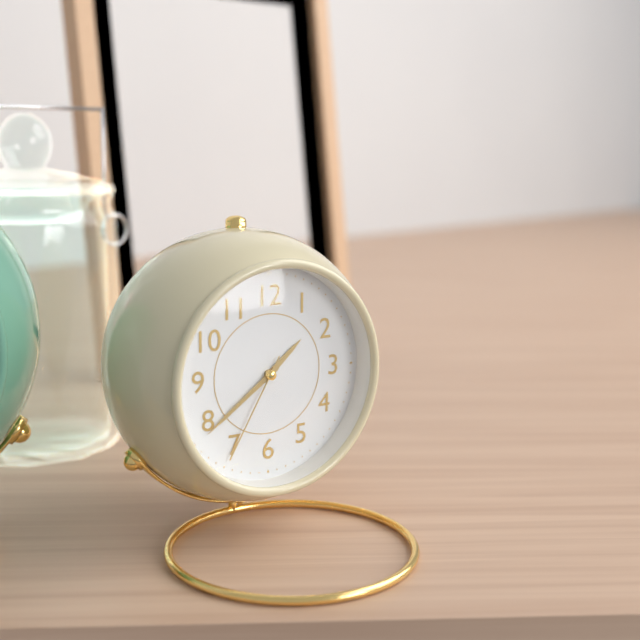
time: 1.39.35
